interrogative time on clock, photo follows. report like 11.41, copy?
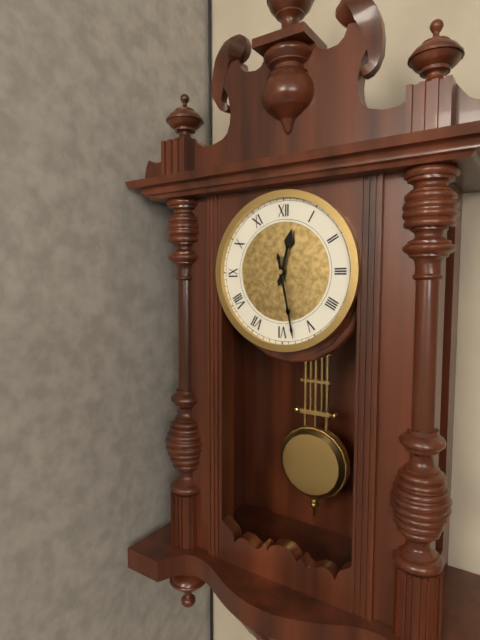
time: 12.28
